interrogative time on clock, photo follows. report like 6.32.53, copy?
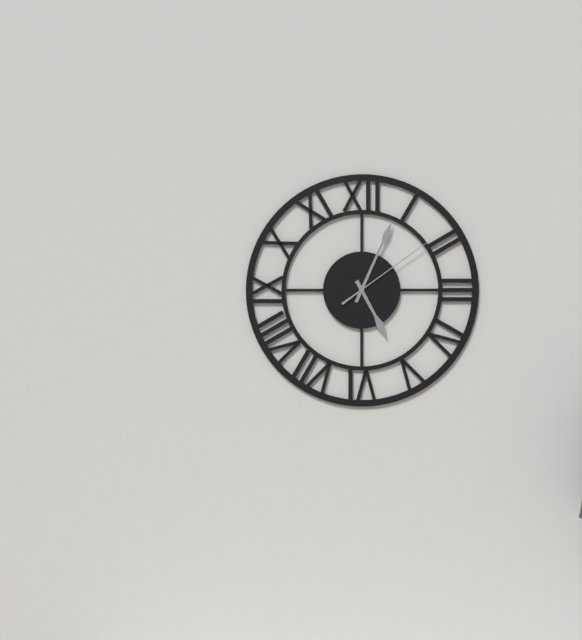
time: 5.04.09
